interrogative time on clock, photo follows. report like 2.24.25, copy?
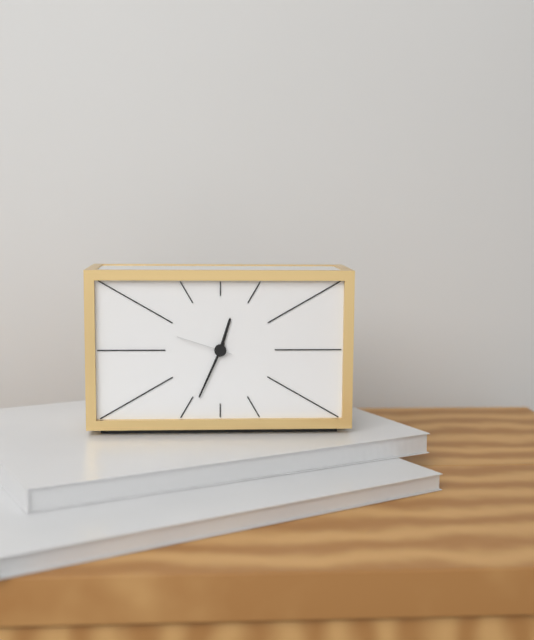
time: 12.34.48
